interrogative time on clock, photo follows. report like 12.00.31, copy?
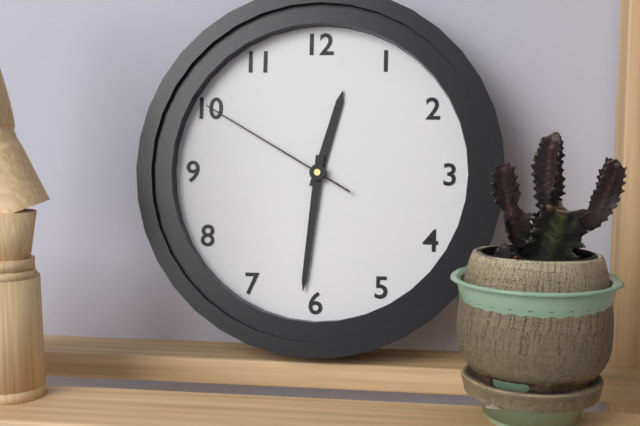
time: 12.31.50
